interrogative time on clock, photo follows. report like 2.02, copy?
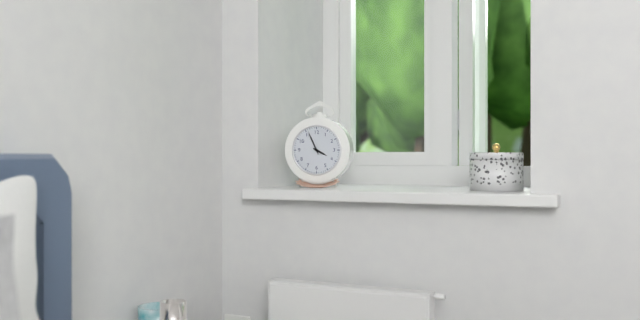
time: 3.56
